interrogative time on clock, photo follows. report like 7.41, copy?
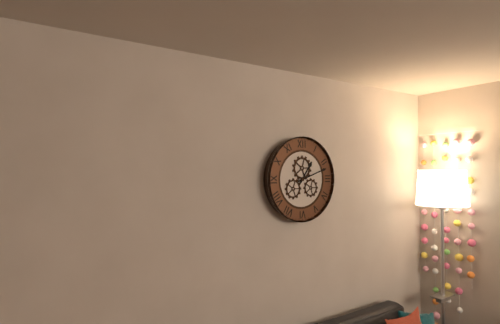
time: 1.12
